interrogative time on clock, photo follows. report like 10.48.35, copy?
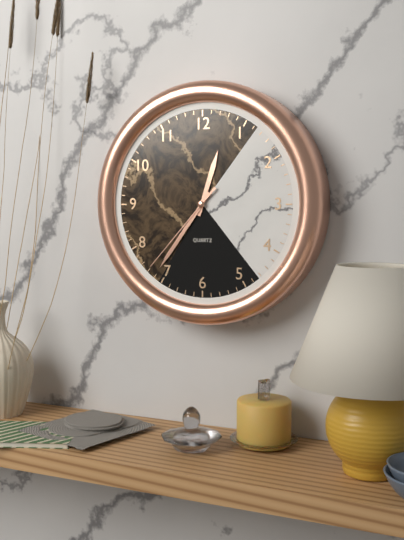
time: 12.36.37
